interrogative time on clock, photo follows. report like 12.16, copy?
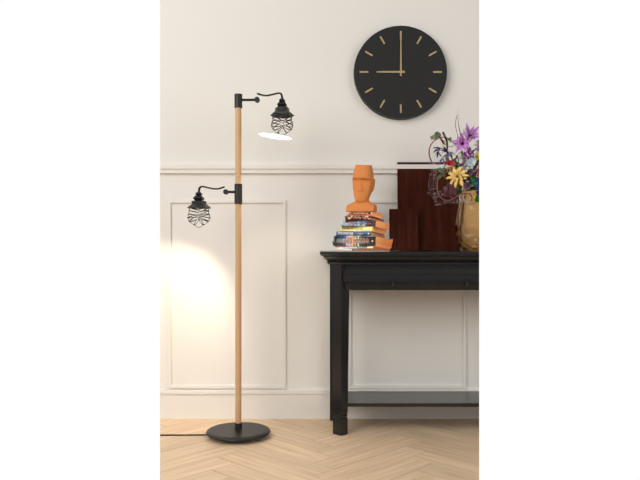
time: 9.00
